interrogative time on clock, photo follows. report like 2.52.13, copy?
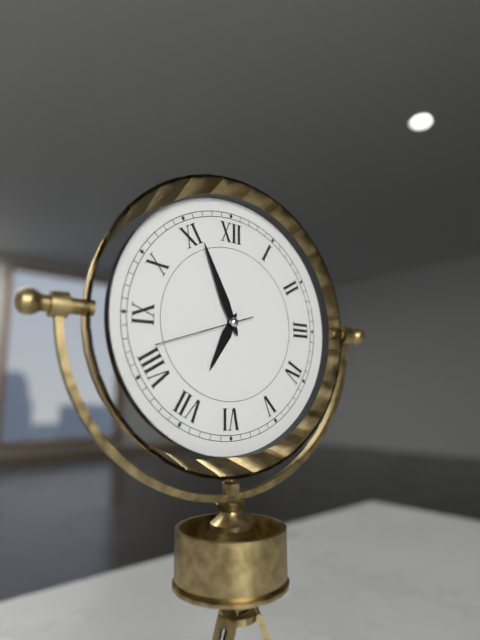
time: 6.56.42
